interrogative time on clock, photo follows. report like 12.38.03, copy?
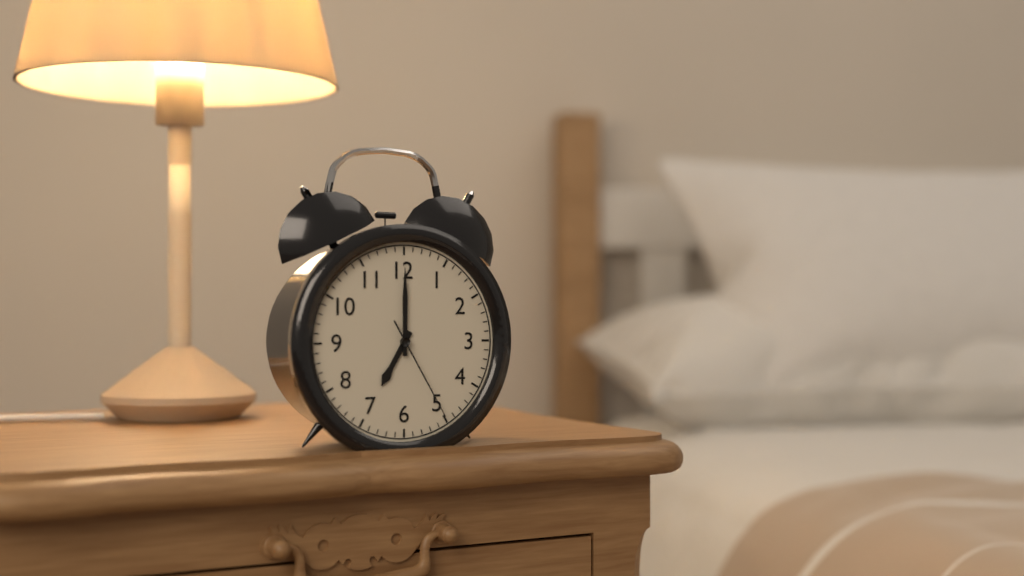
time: 7.00.25
